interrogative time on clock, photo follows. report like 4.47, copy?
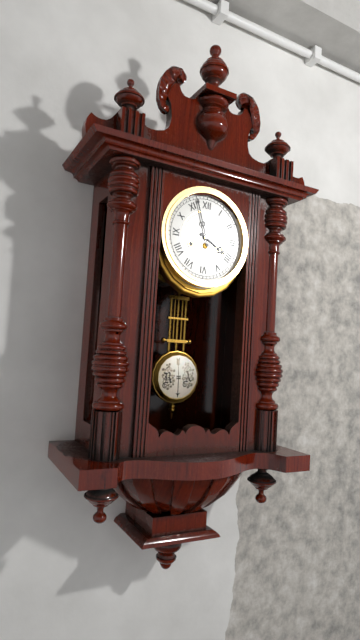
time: 3.57
